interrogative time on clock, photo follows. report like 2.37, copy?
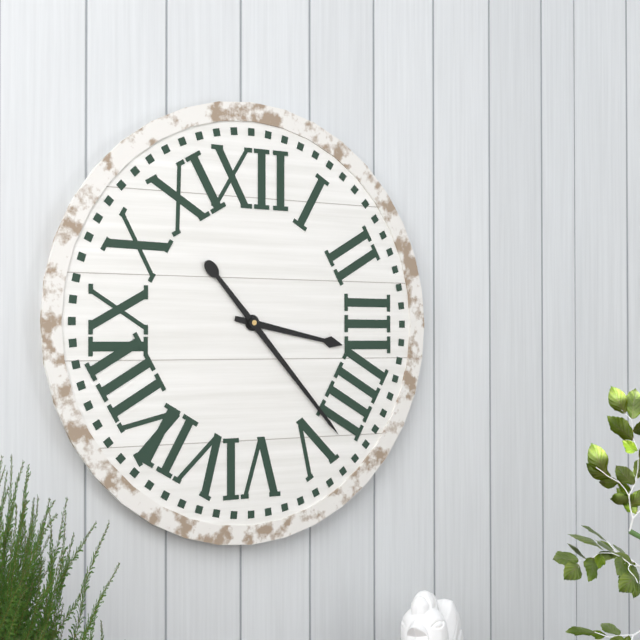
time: 3.23
